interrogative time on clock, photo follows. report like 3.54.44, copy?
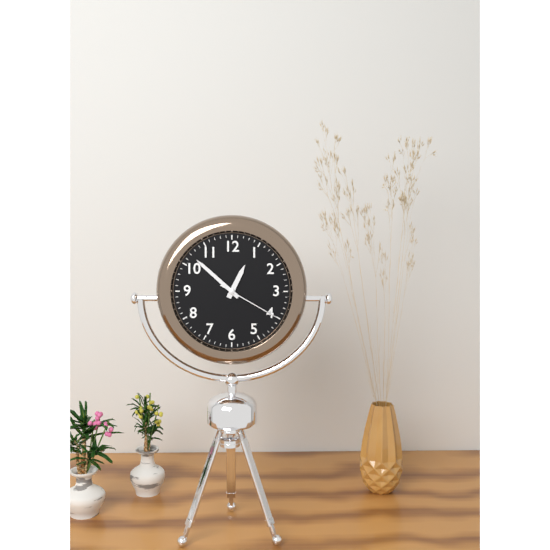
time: 12.52.20
